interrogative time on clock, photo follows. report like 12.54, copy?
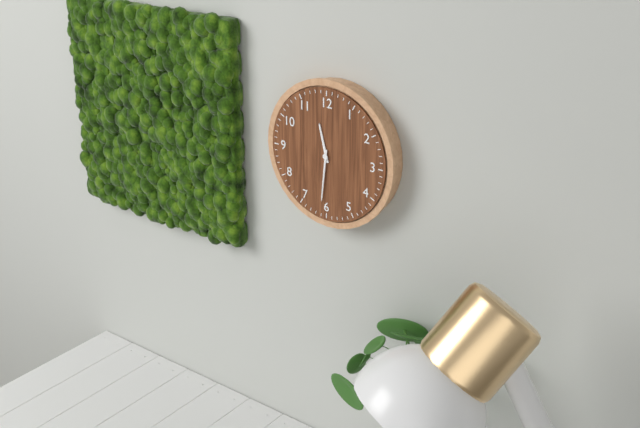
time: 11.31
